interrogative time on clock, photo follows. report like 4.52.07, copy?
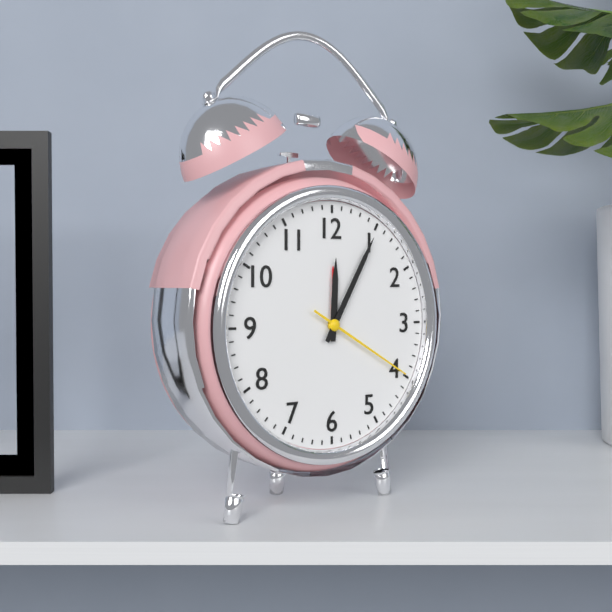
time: 12.05.20
